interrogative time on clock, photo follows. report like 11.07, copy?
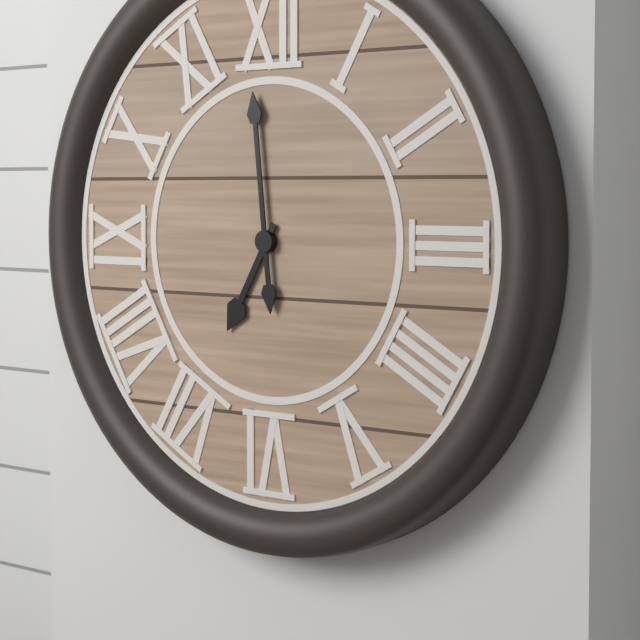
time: 6.59
